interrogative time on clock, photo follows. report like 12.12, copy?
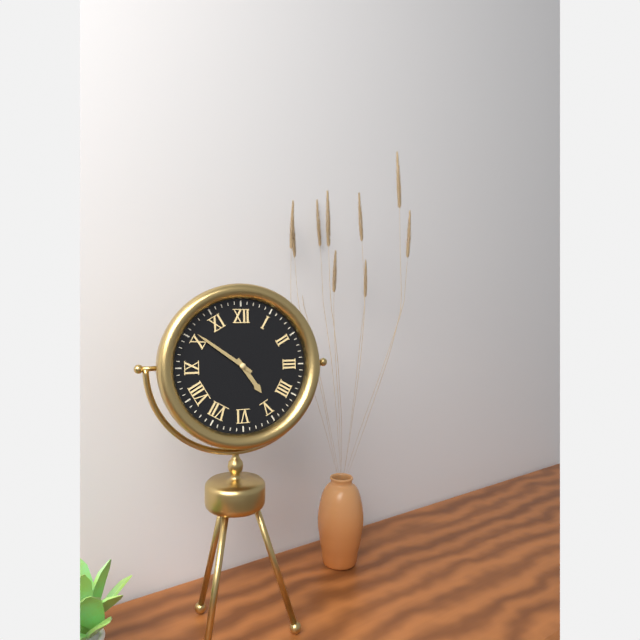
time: 4.51
